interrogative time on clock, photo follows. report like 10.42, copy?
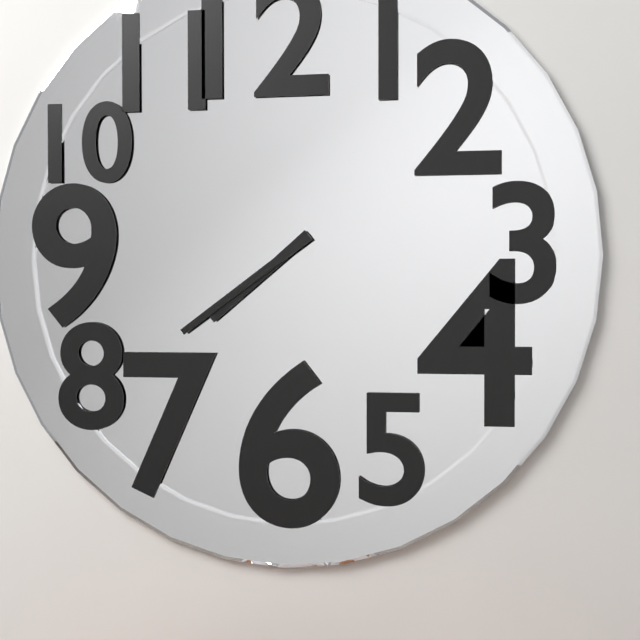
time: 7.39
